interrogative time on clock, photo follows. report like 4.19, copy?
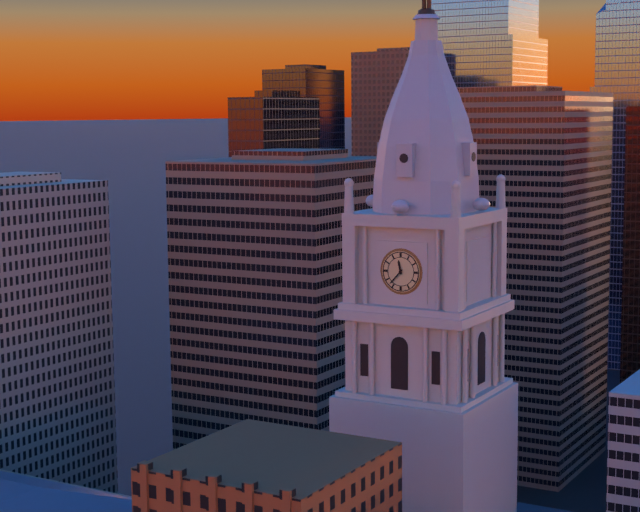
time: 11.37
